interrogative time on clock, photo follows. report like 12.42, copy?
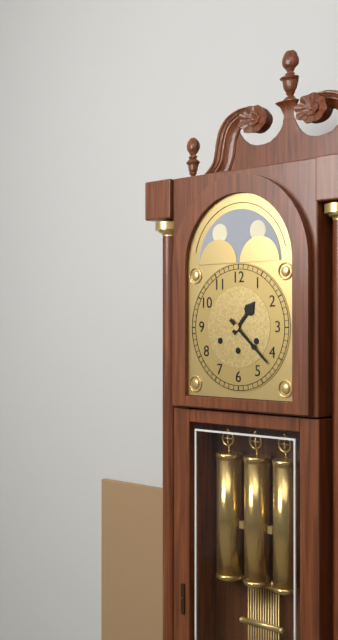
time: 1.22
